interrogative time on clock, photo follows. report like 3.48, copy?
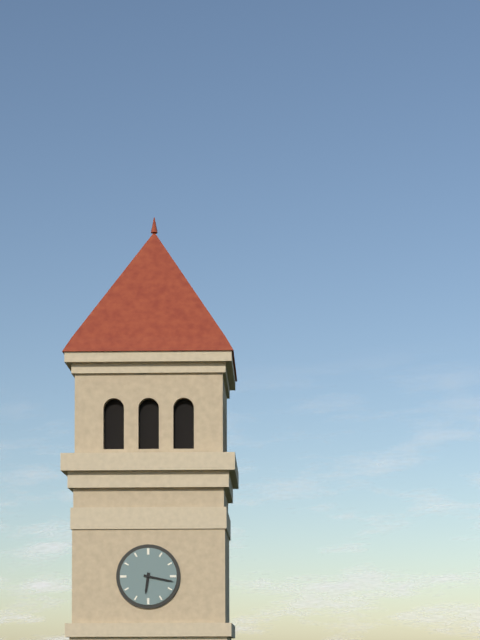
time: 6.17
